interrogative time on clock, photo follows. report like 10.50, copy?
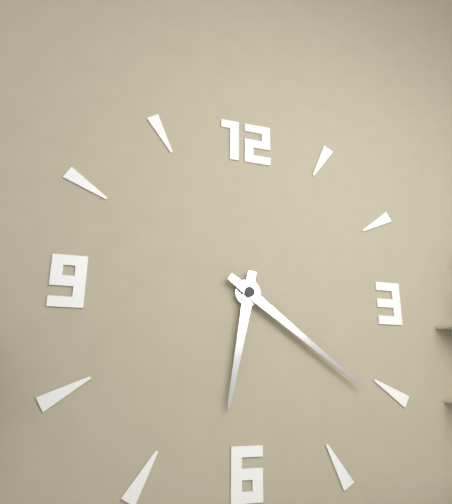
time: 6.21
